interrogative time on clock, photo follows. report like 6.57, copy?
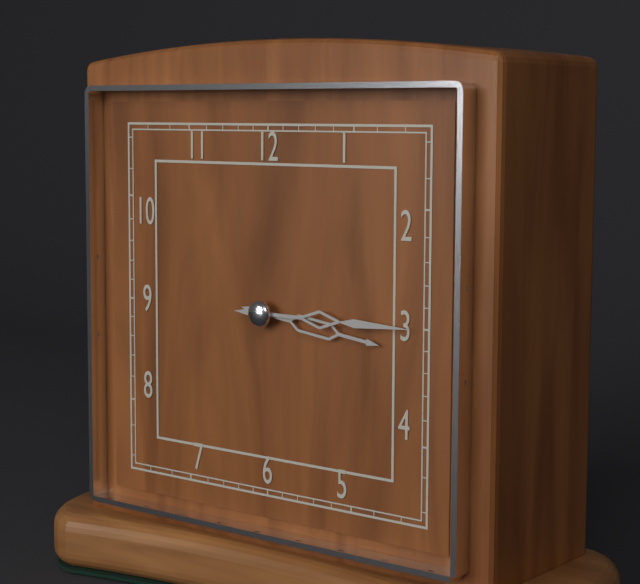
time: 3.15
